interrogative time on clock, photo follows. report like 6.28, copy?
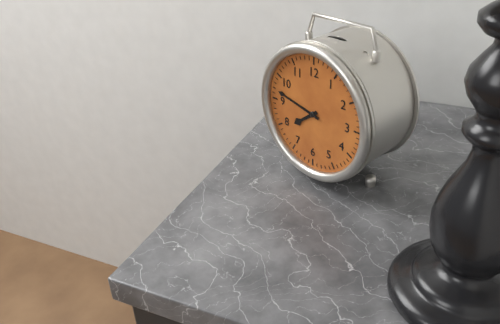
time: 7.47
